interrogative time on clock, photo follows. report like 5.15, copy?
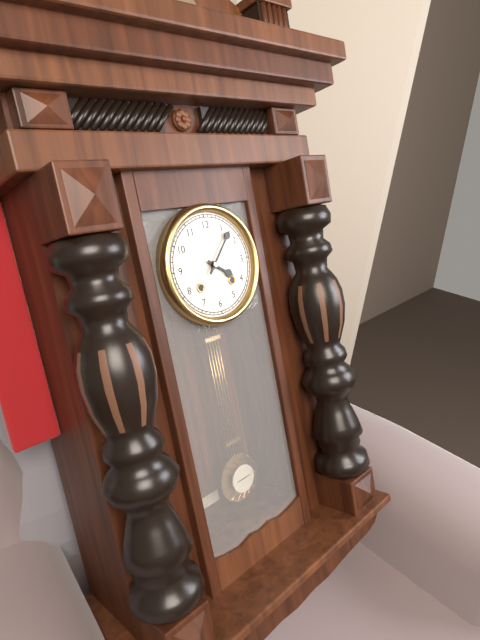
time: 4.07
